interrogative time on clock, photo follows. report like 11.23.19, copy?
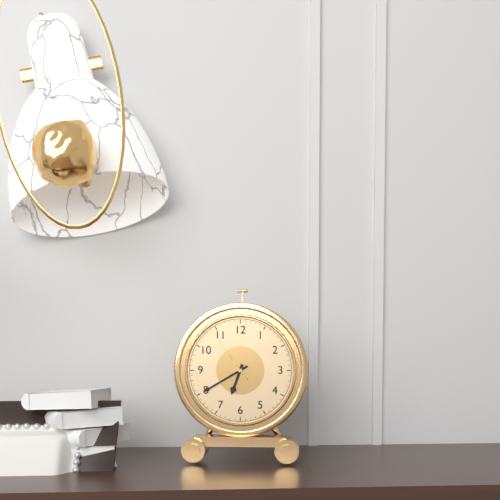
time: 6.40.54
